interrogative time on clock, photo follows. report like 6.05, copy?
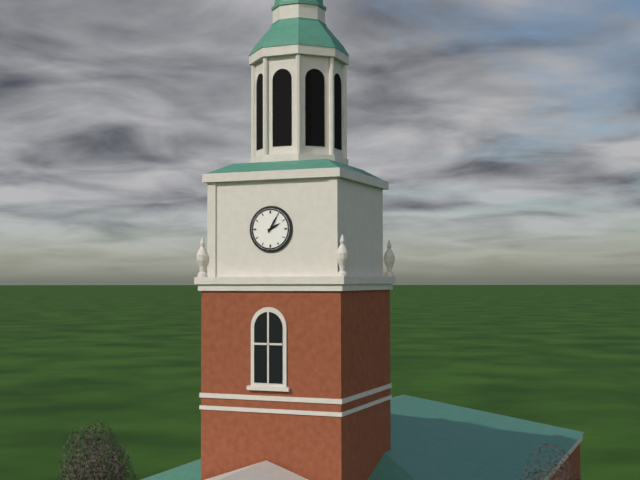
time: 2.05
